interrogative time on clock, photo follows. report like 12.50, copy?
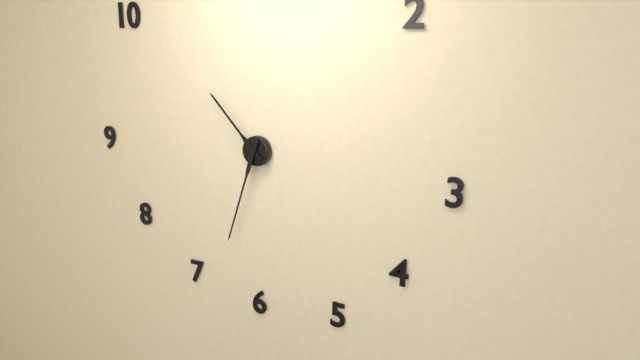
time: 10.33
